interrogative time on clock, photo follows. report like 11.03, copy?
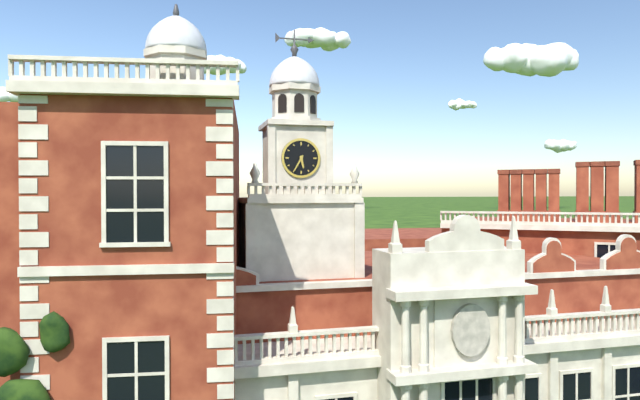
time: 5.35
